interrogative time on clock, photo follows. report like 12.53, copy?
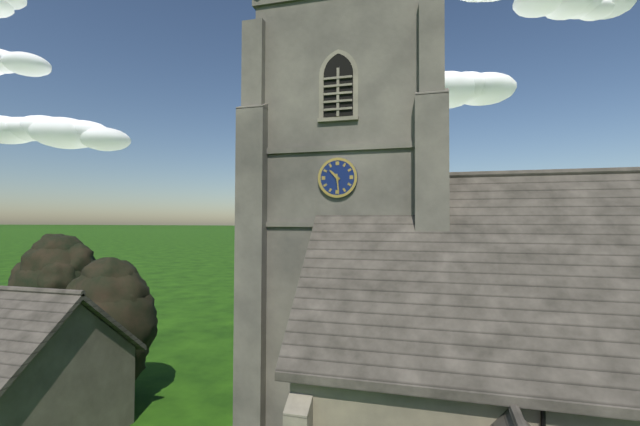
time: 10.29
